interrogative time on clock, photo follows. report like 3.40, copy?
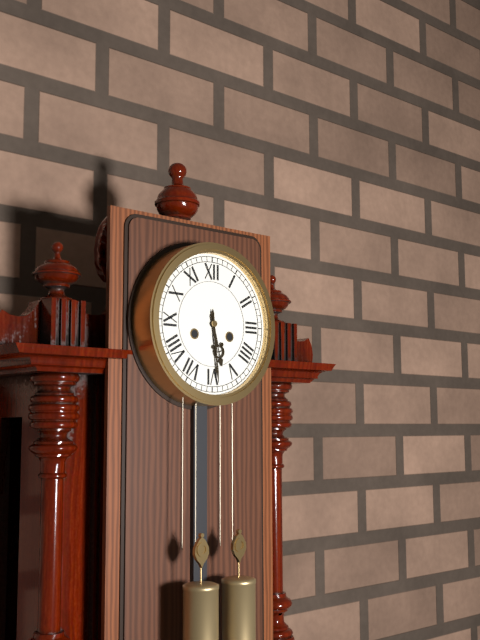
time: 5.29
